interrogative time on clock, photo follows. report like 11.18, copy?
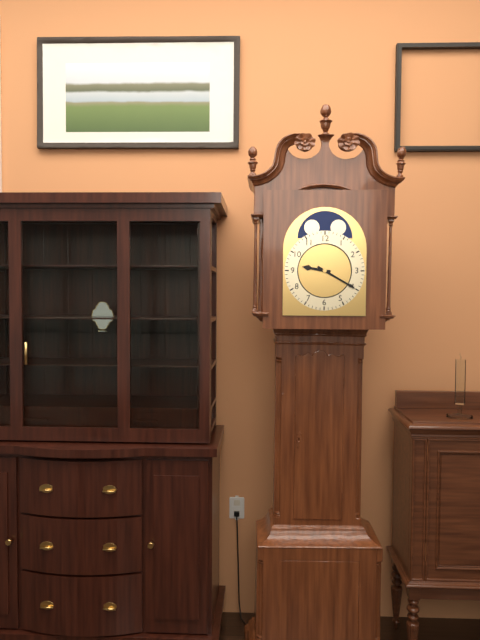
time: 9.20
